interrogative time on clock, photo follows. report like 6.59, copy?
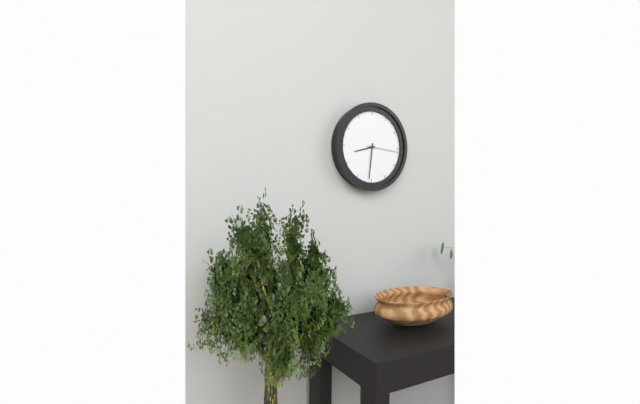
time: 8.31
